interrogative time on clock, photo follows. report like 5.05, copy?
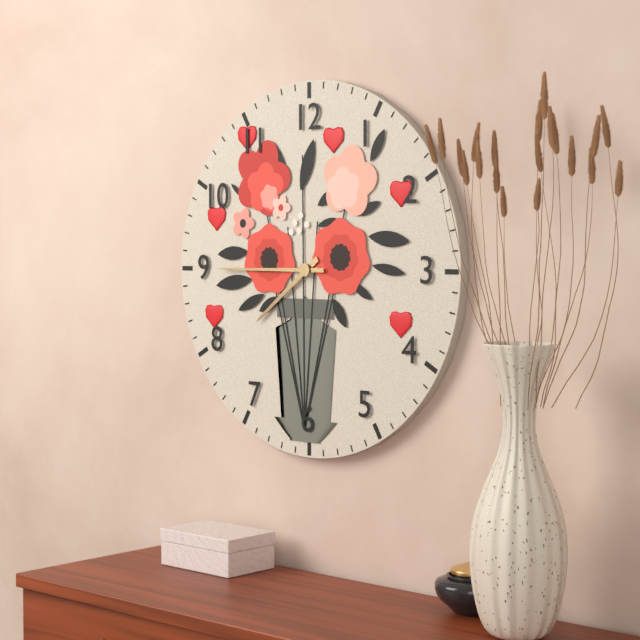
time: 7.45
